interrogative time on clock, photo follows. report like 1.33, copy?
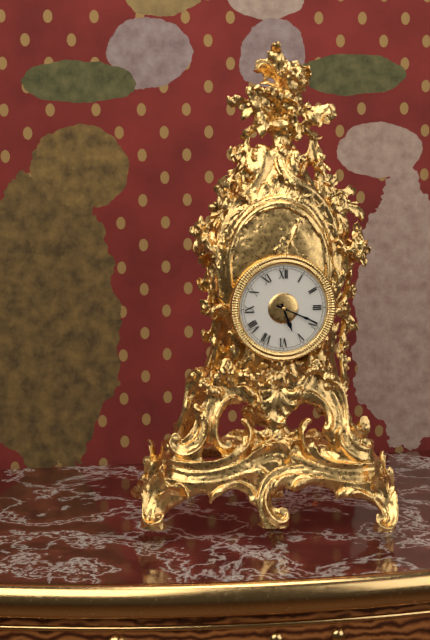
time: 5.19
